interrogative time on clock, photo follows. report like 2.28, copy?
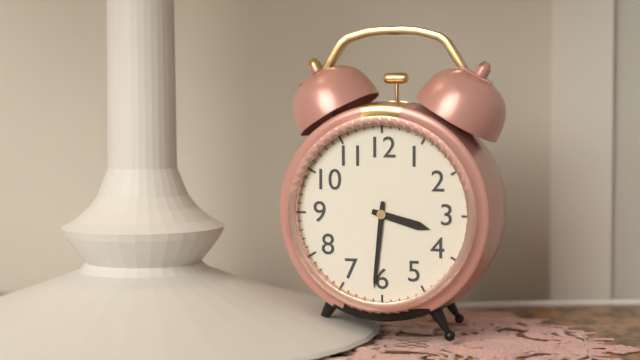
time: 3.31
